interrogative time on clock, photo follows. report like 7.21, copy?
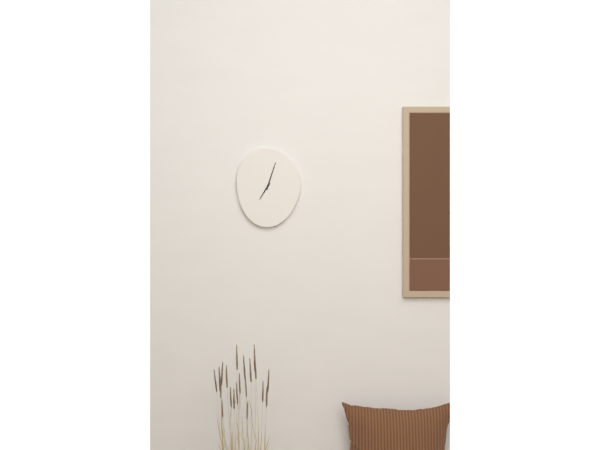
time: 7.03
